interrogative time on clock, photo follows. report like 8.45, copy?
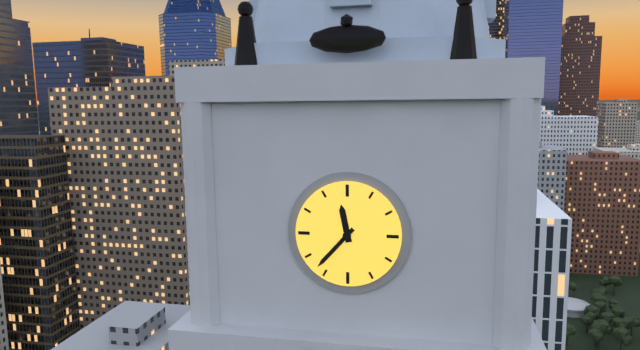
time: 11.37
